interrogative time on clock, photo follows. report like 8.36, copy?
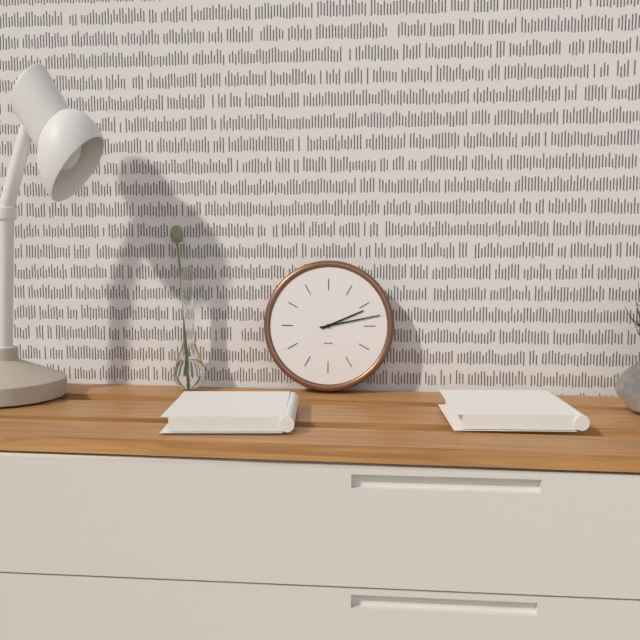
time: 2.13
